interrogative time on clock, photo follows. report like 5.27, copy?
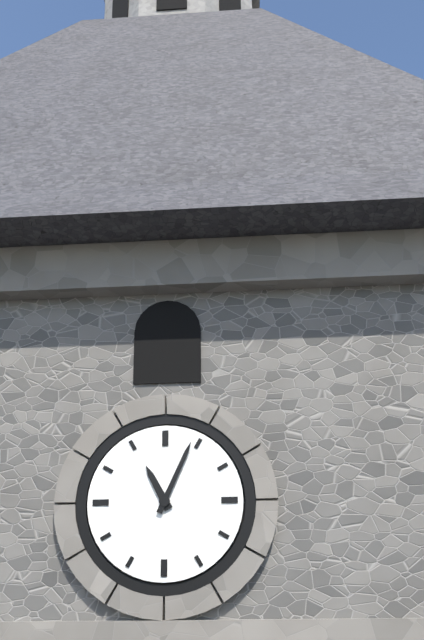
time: 11.04
